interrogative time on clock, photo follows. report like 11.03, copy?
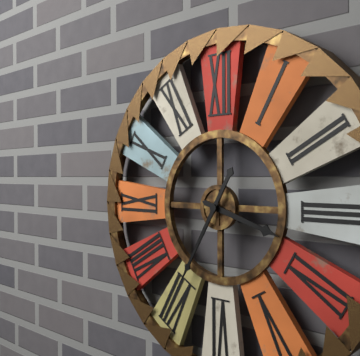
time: 3.35
